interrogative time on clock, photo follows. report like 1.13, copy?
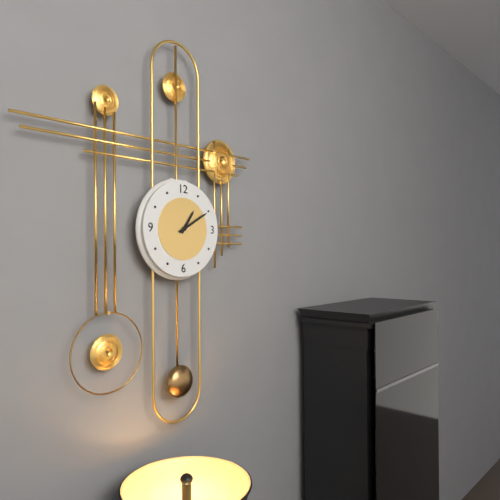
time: 1.10
